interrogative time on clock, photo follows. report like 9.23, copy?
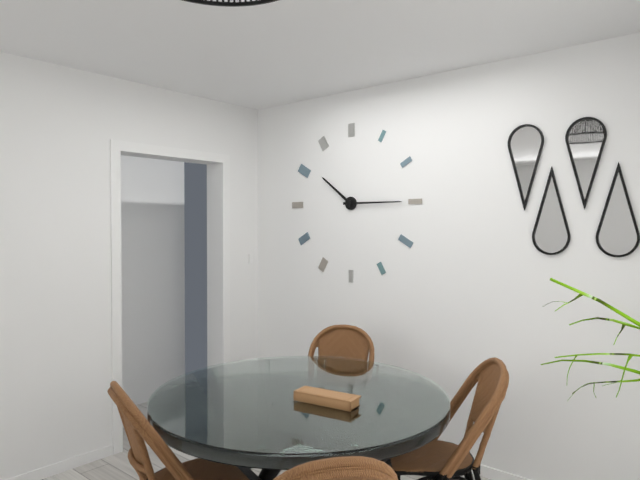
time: 10.15
